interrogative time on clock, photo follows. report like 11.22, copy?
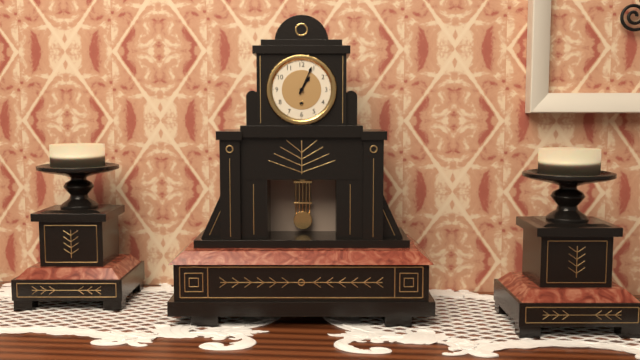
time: 1.04
